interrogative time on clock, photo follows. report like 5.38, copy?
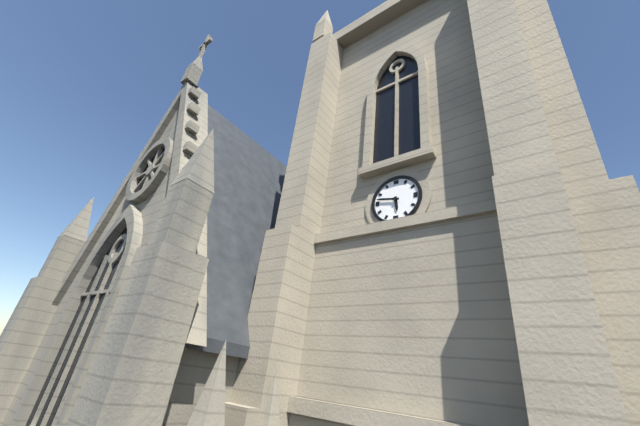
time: 5.47
